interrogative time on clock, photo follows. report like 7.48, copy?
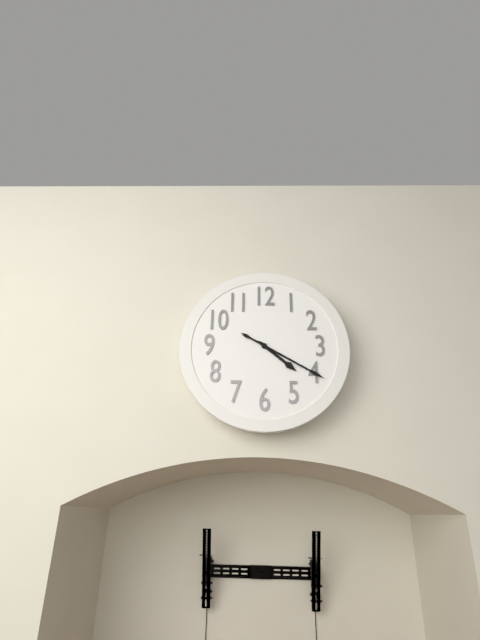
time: 4.20
